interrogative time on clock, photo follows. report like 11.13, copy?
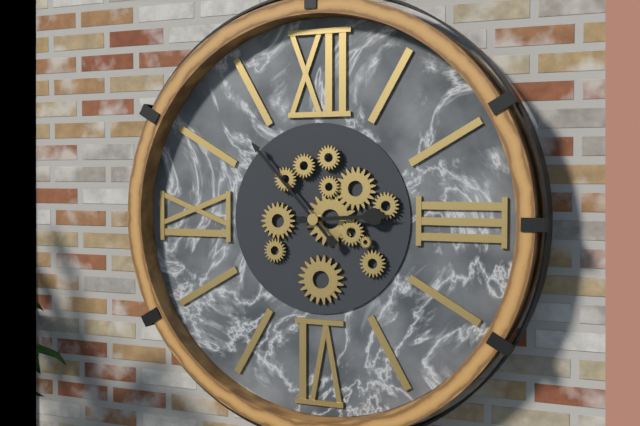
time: 2.53
